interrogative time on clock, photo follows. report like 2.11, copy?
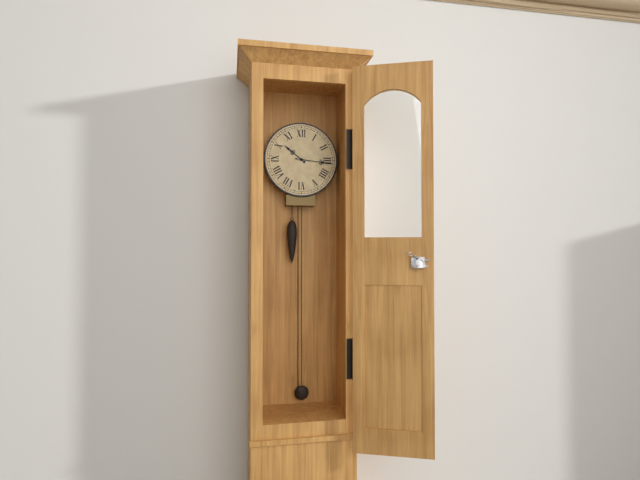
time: 10.16
